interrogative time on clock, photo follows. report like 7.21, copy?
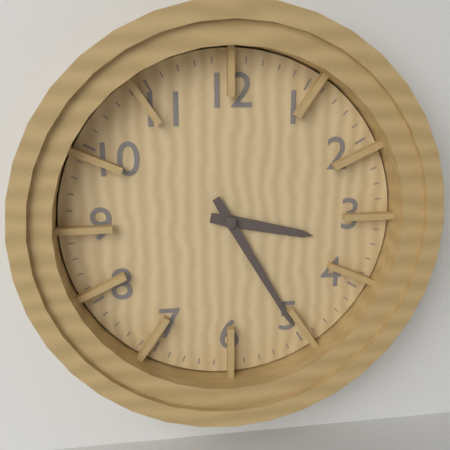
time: 3.25
